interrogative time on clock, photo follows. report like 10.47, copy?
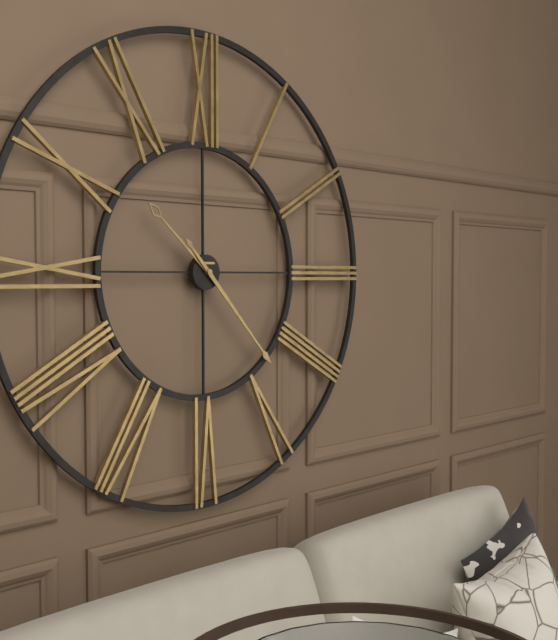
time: 10.23
